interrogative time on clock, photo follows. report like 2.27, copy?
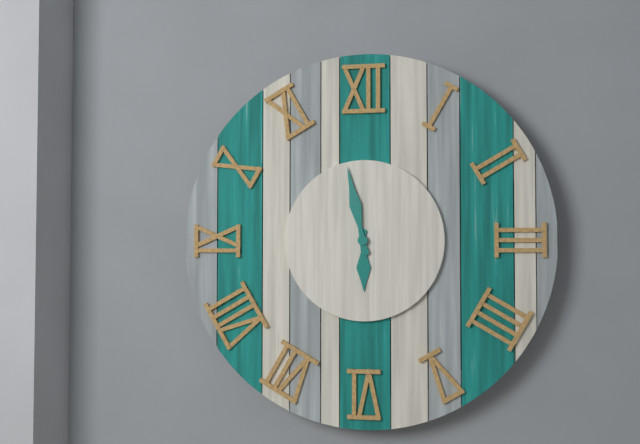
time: 5.58
